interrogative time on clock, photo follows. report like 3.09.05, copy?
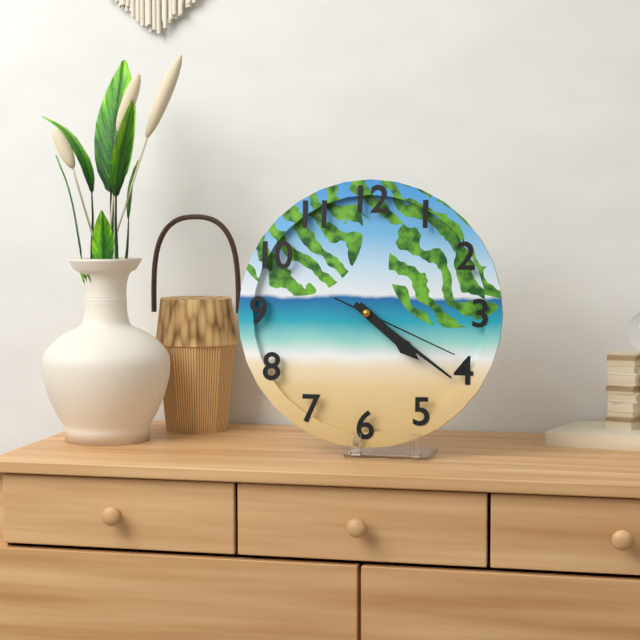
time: 4.21.19
